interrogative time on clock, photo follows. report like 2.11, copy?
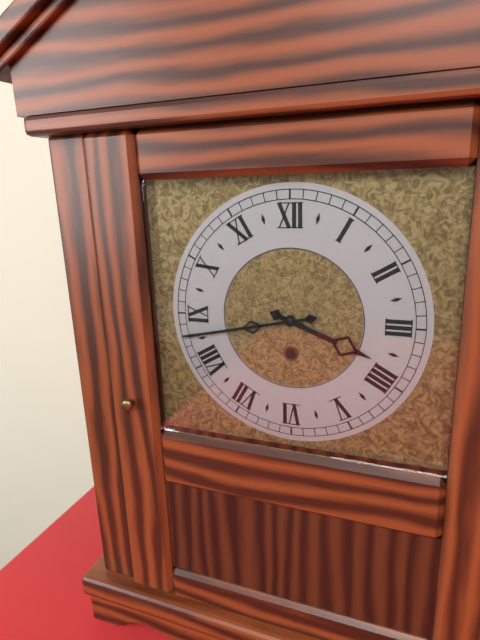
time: 3.43
